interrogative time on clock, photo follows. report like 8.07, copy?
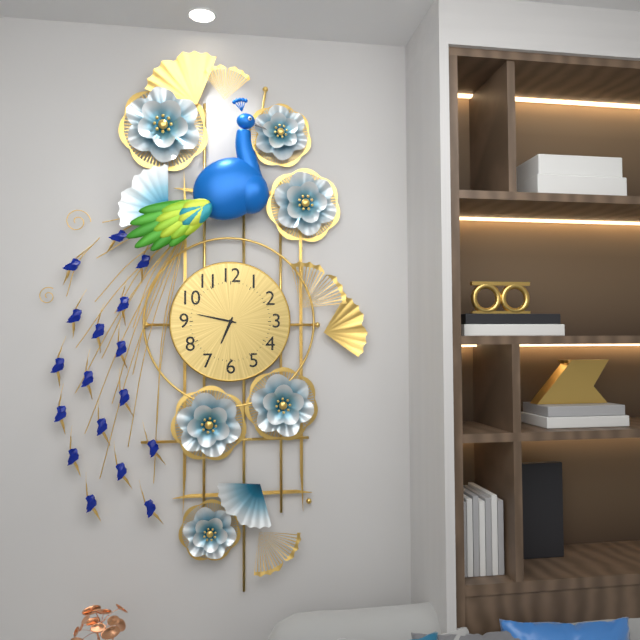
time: 6.47
